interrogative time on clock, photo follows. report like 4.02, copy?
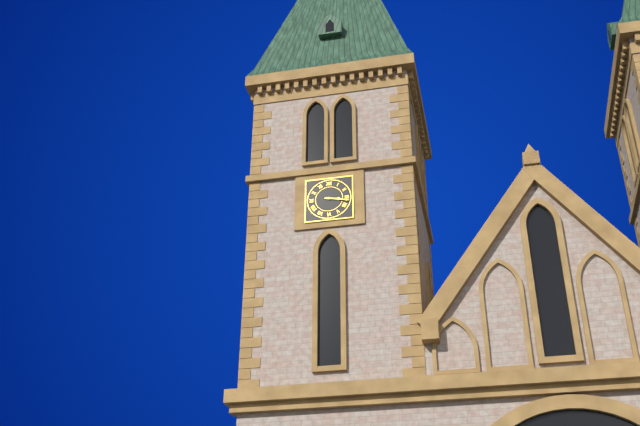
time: 3.17
